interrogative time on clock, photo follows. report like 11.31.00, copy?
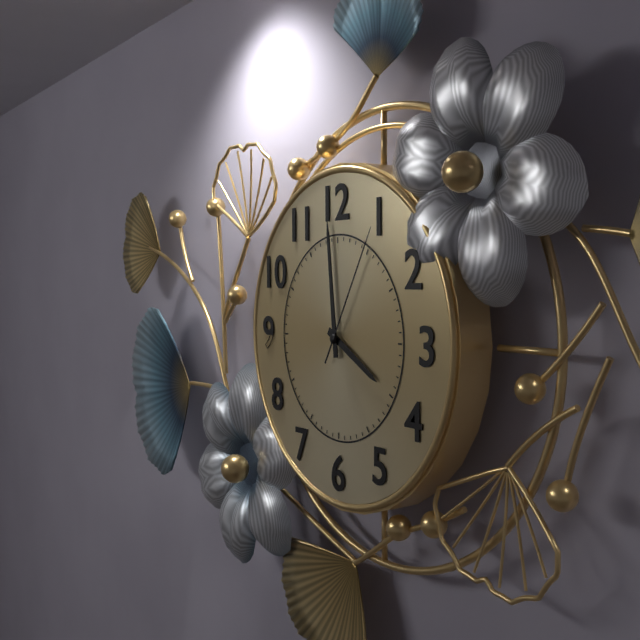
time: 3.59.05
